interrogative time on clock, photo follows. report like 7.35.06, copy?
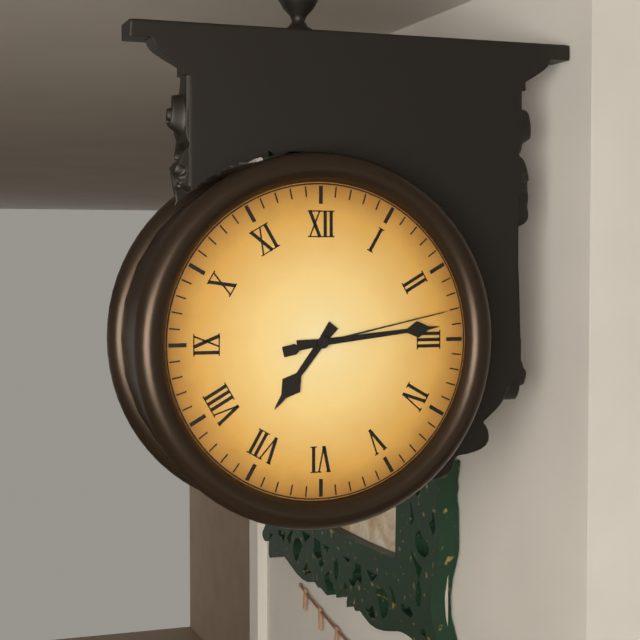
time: 7.14.13
